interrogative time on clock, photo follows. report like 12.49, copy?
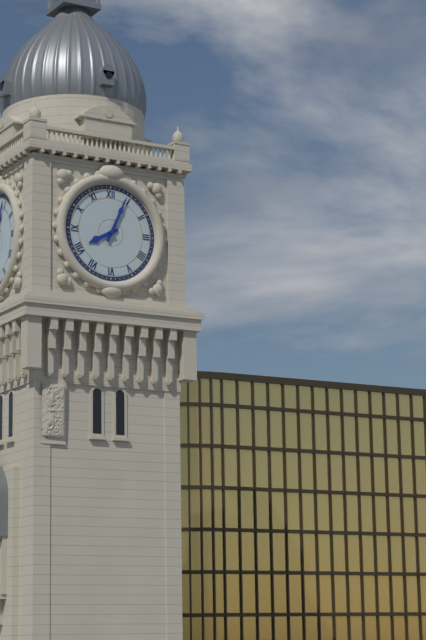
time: 8.04
